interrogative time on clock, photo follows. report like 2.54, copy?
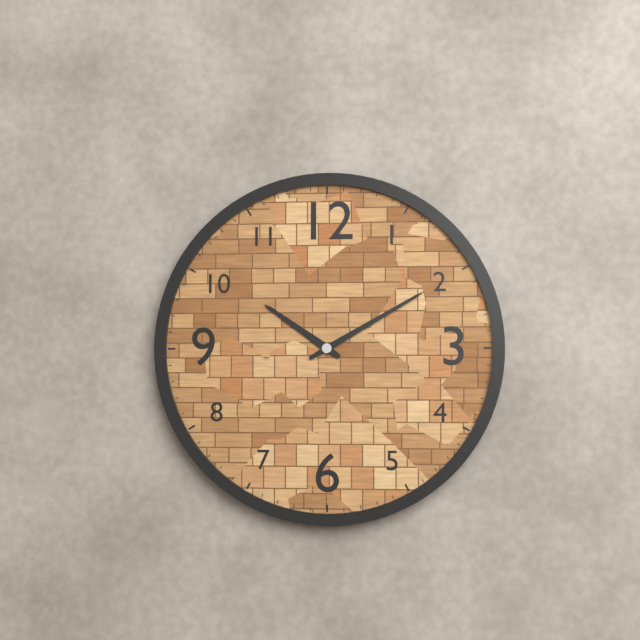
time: 10.10
